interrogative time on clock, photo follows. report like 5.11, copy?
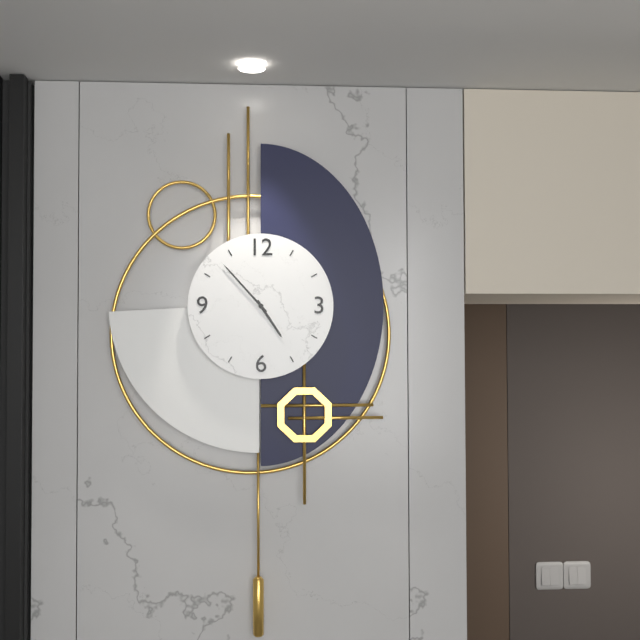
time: 4.53
